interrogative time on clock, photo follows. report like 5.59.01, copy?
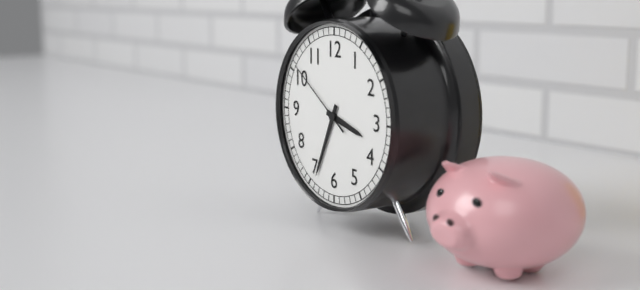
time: 3.34.51
